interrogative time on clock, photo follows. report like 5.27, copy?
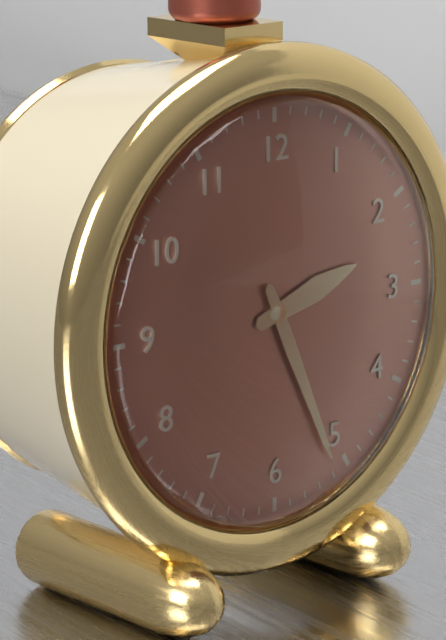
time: 2.26
